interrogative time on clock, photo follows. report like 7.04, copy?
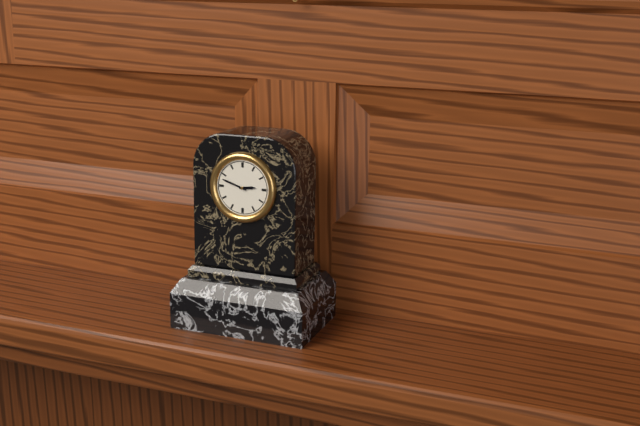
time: 2.48
